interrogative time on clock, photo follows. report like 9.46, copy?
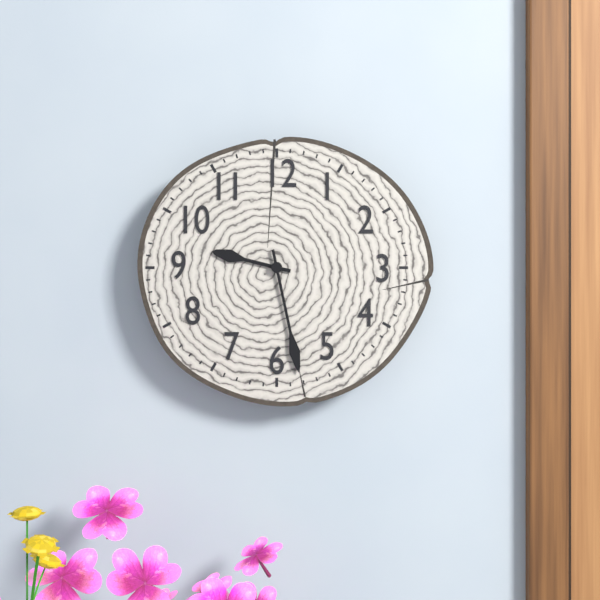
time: 9.28
